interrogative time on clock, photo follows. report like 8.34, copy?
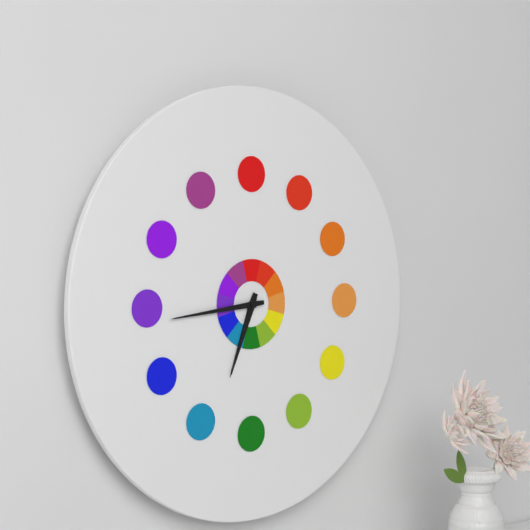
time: 6.44
